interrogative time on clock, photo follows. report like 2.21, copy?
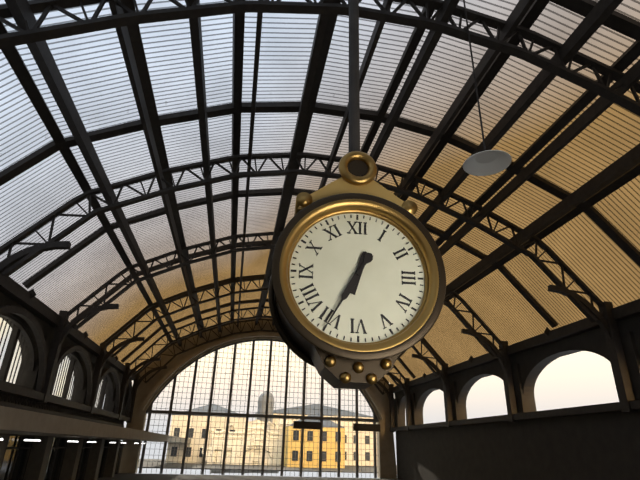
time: 12.35
